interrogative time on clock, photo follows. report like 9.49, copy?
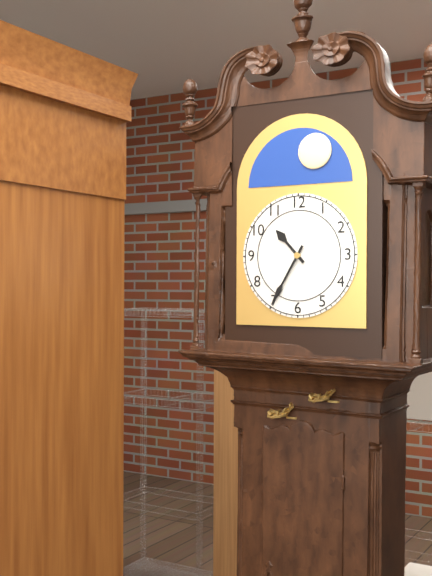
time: 10.35
